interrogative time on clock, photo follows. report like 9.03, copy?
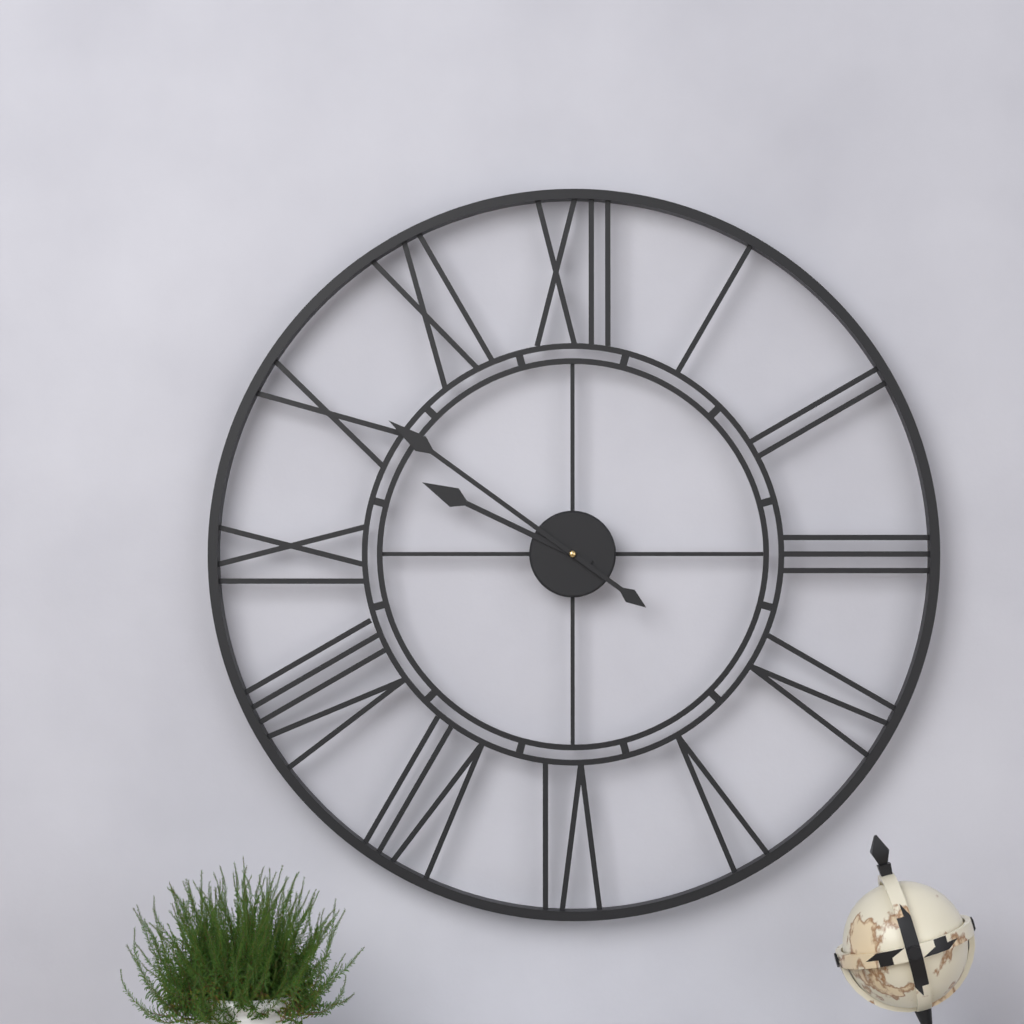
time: 9.51
